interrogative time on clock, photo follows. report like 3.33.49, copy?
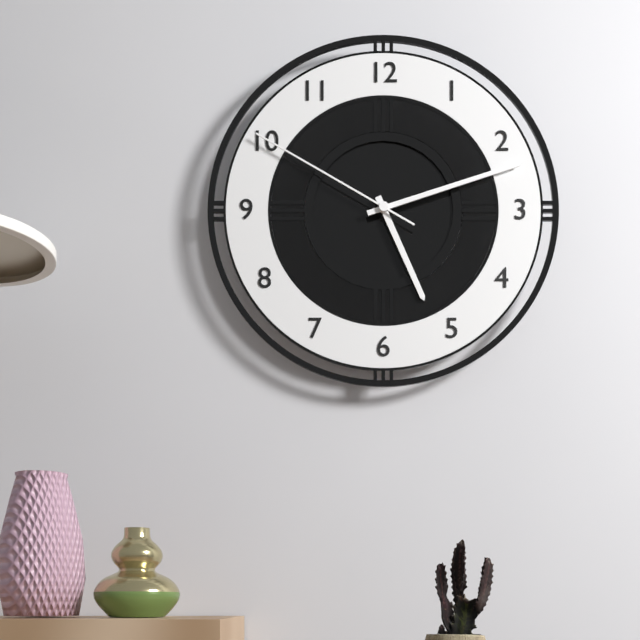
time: 5.12.50
